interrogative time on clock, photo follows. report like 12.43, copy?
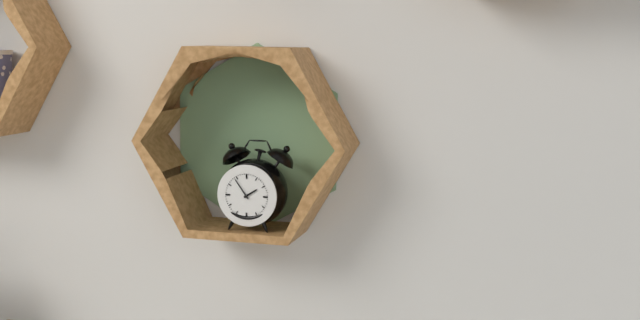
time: 1.54
